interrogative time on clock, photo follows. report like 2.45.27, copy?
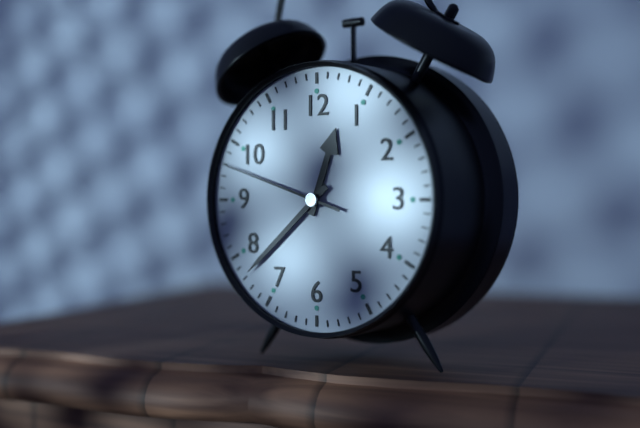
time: 12.38.48
